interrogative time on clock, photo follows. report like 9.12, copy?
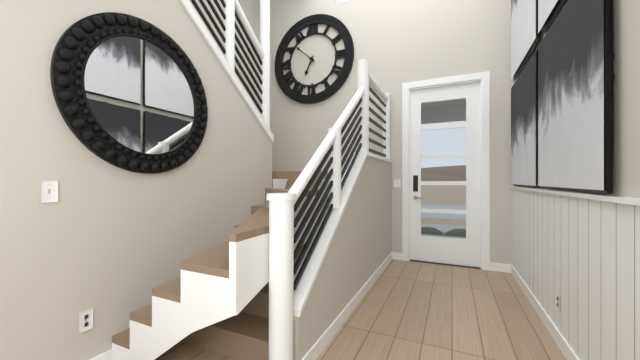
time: 6.52
